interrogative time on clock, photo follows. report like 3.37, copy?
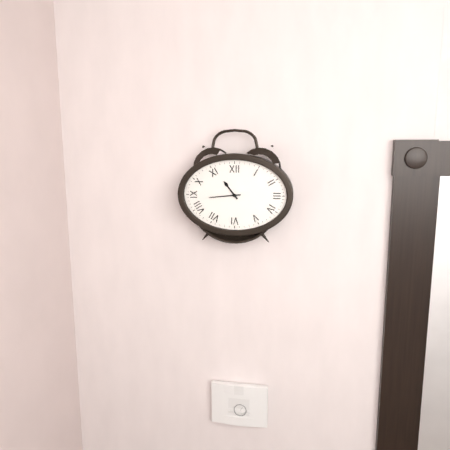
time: 10.44
